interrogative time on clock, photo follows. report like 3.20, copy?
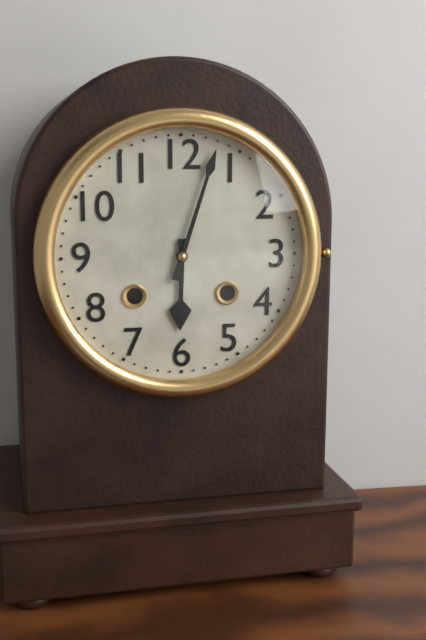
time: 6.03
